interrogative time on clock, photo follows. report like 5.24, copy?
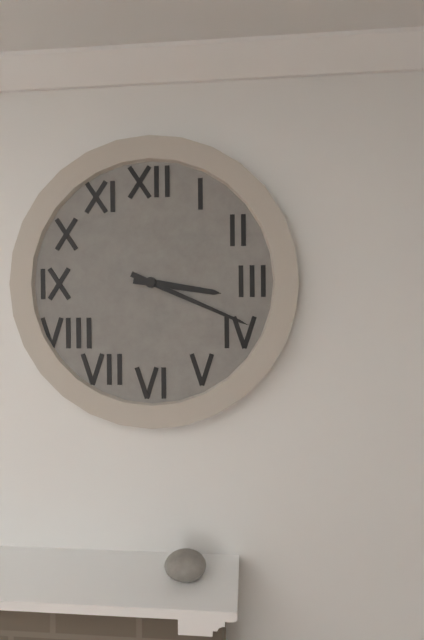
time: 3.19
